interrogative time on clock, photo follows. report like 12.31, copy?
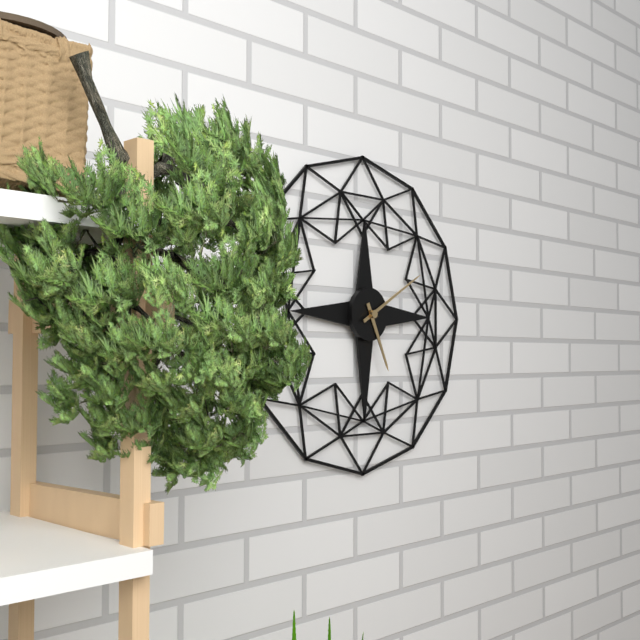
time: 5.10
